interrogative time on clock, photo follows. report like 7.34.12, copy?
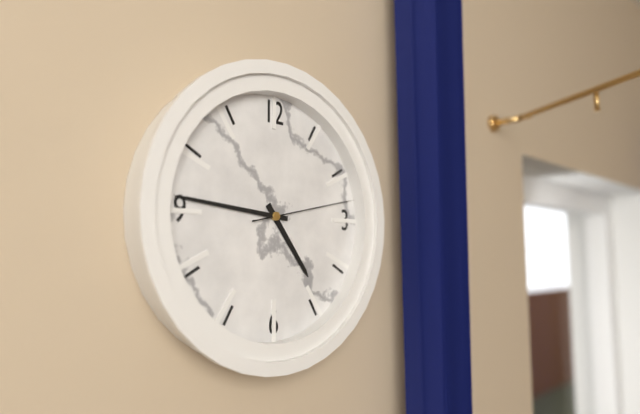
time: 4.46.13
